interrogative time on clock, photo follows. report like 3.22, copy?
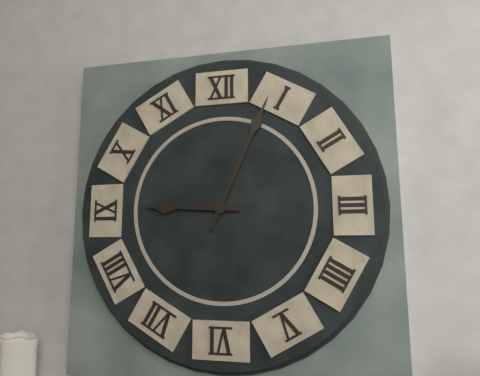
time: 9.04
